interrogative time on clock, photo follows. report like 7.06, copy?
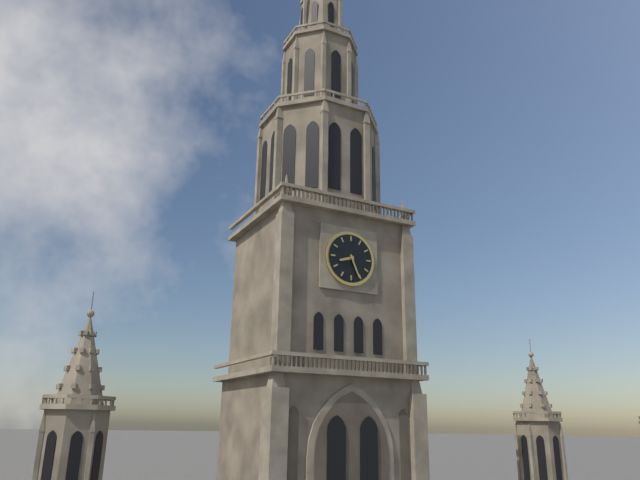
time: 8.26
